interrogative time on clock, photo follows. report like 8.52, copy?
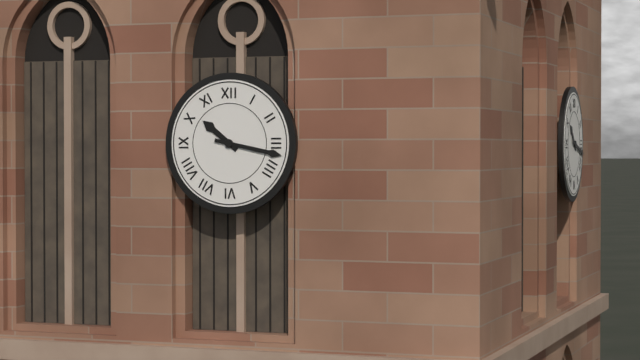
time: 10.17
